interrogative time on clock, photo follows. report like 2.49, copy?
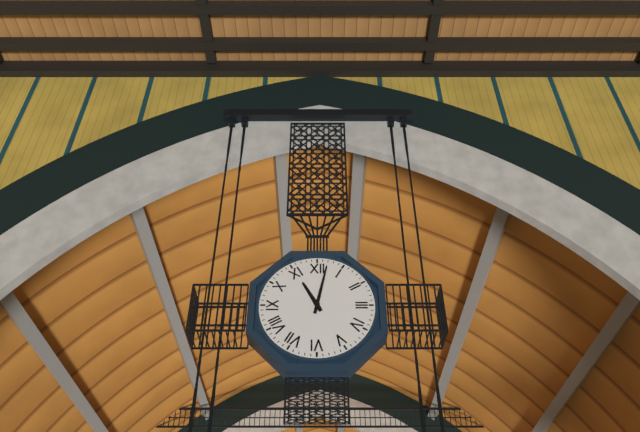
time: 11.02
